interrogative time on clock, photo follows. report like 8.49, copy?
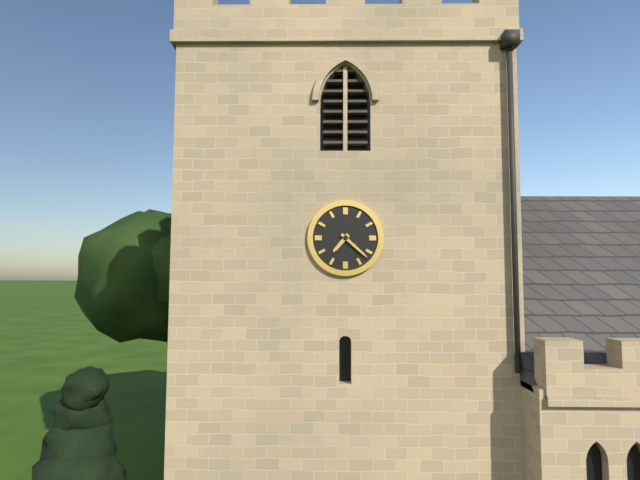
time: 7.22
